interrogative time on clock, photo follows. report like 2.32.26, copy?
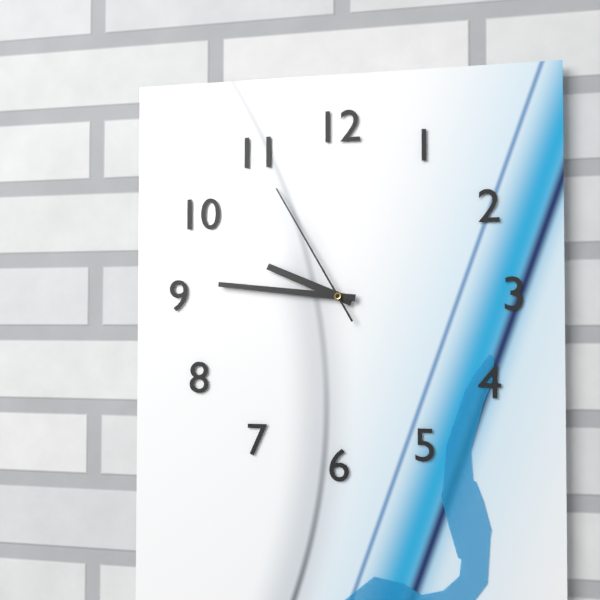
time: 9.46.55
